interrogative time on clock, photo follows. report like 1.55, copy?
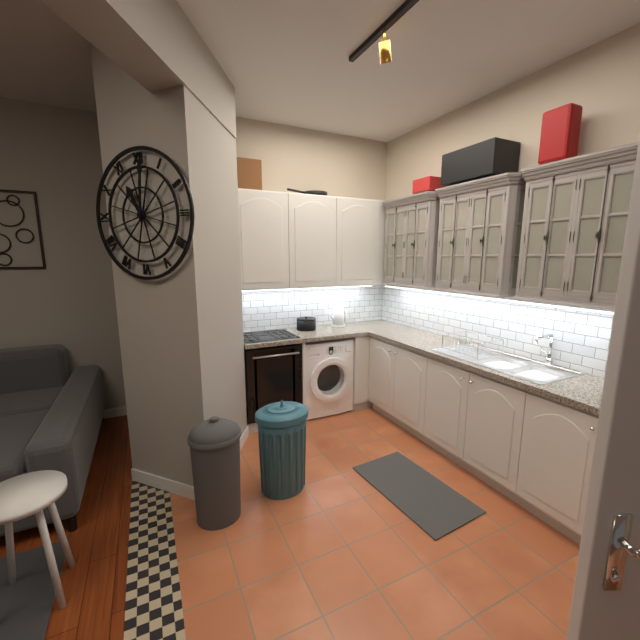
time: 11.01
